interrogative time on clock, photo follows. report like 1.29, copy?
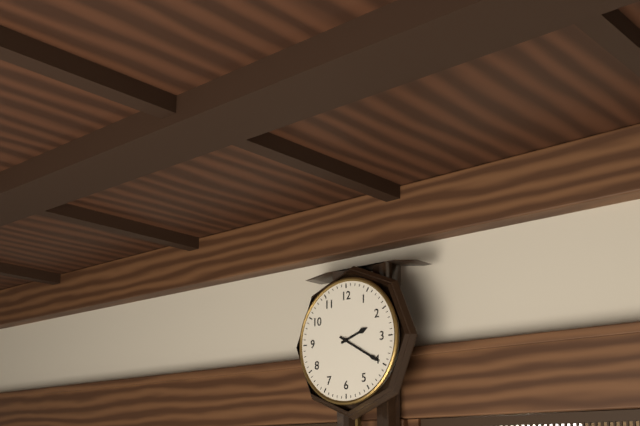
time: 2.20
